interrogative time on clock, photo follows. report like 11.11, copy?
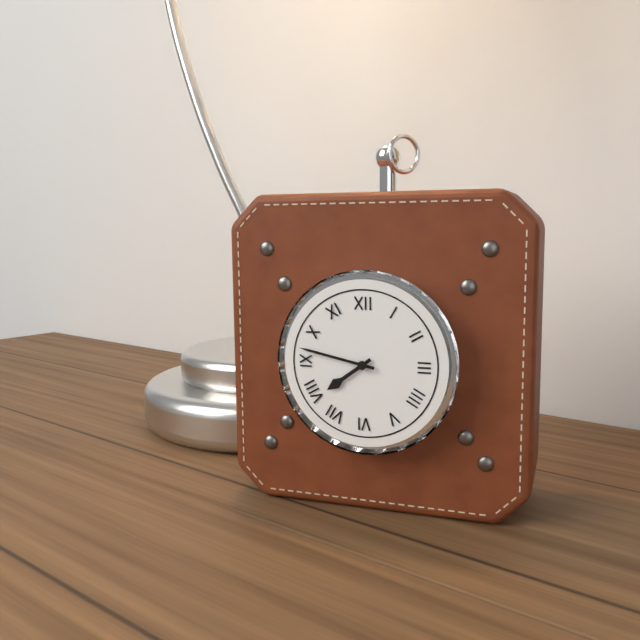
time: 7.47
